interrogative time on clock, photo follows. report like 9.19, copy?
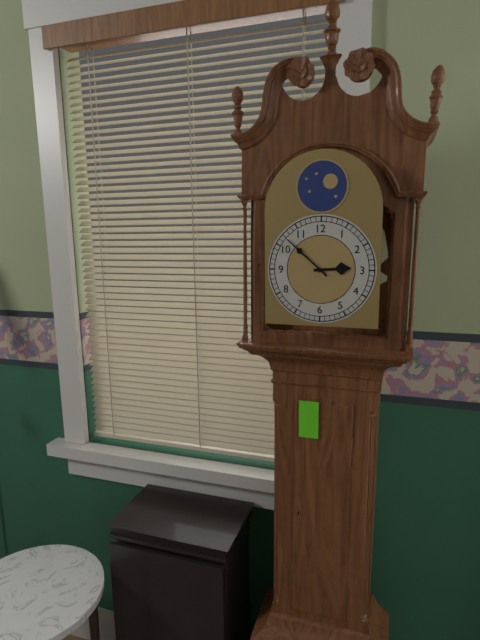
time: 2.52
